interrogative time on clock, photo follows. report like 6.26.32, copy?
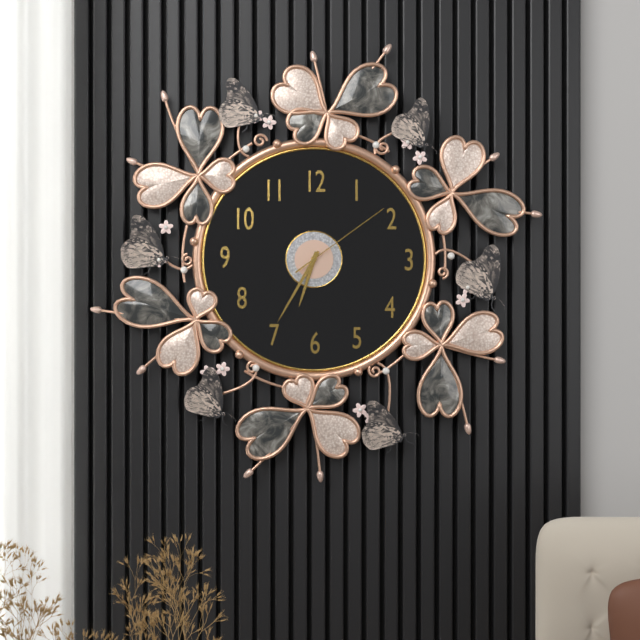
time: 6.35.09
